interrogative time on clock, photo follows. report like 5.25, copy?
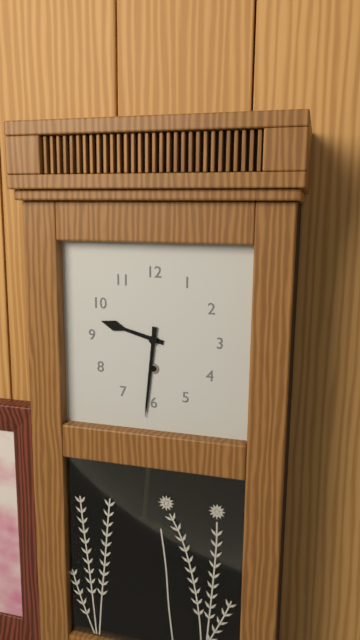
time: 9.31
